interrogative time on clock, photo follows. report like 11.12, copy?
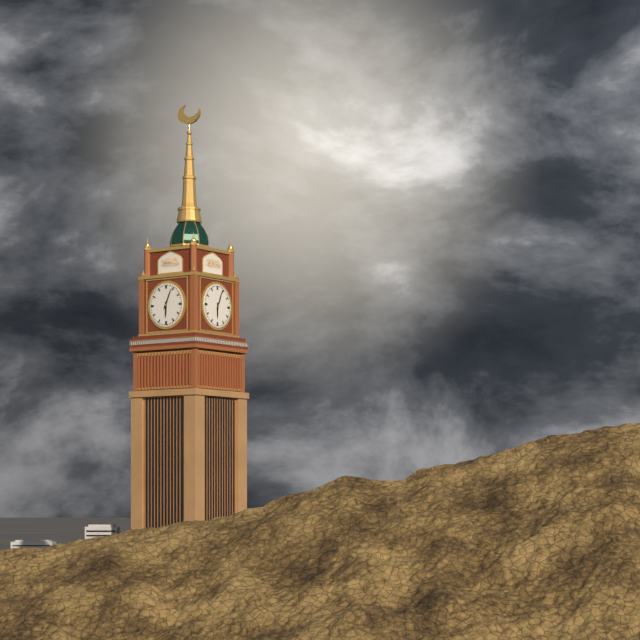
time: 6.04
